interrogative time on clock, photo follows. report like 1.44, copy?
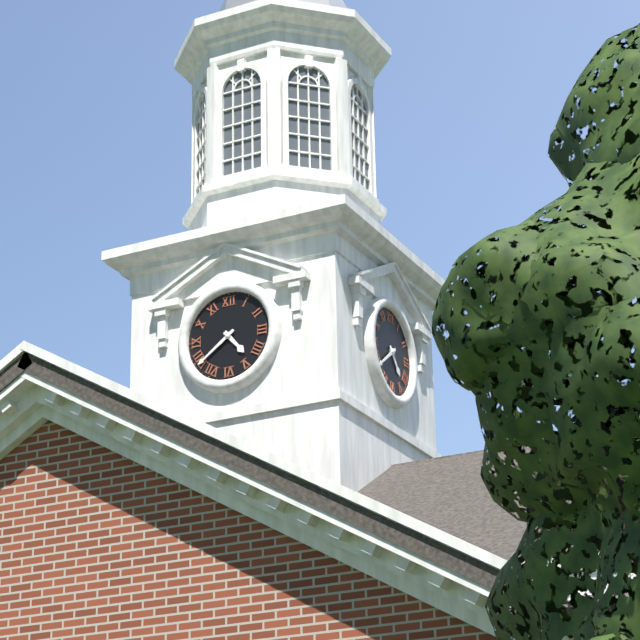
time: 4.39
